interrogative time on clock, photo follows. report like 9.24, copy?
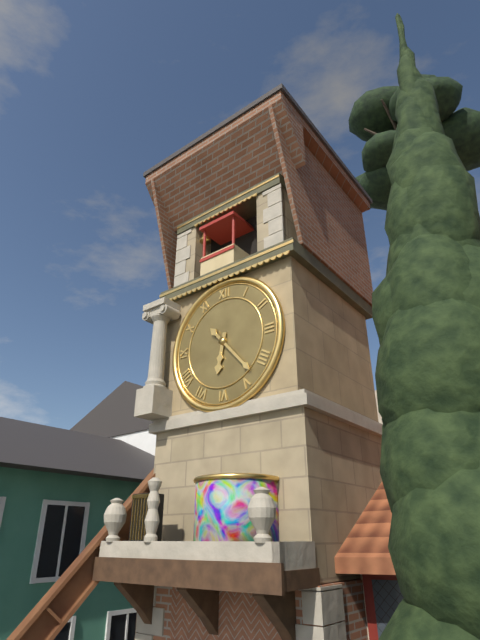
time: 6.23
